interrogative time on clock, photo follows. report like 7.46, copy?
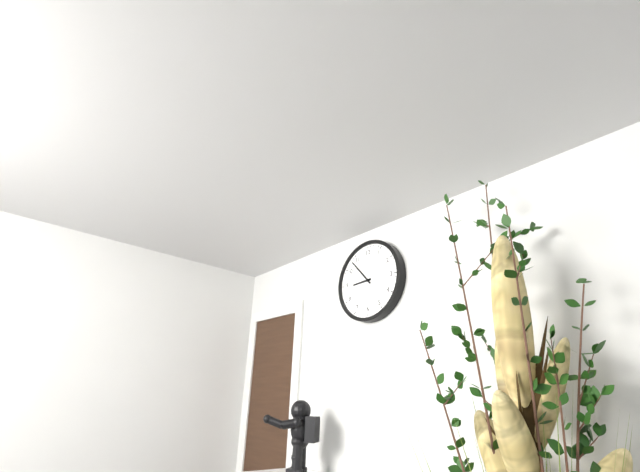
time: 8.53
